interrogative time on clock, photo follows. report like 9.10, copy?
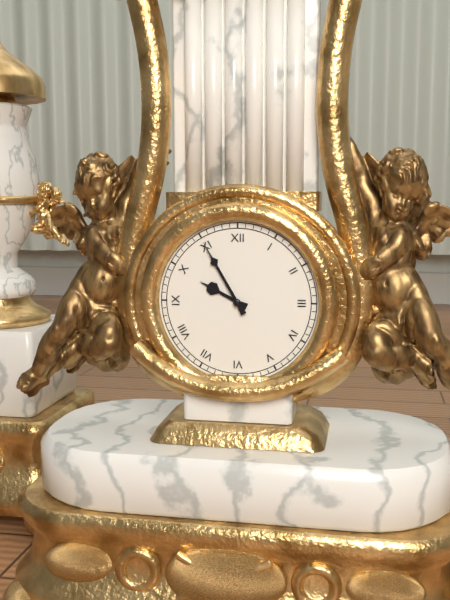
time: 9.55
